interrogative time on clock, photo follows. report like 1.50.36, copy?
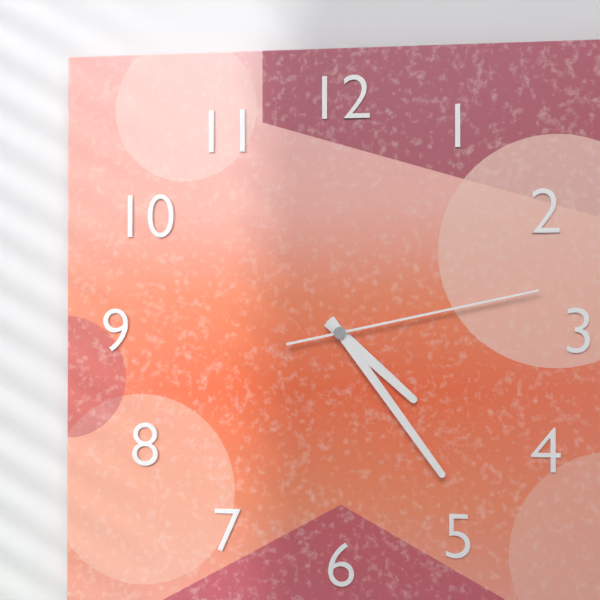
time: 4.24.13
